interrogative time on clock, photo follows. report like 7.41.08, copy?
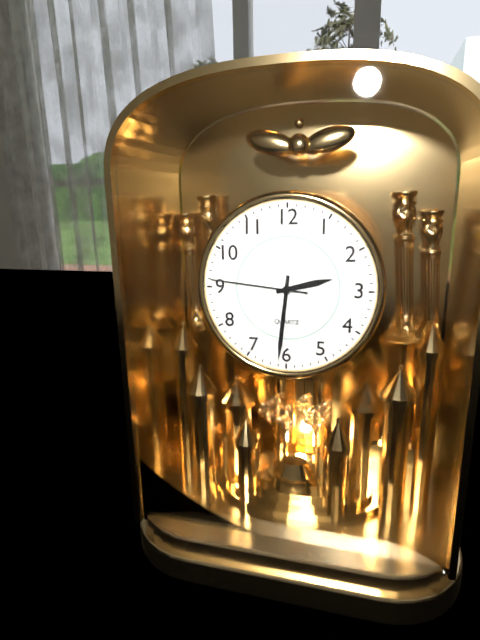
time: 2.31.46
